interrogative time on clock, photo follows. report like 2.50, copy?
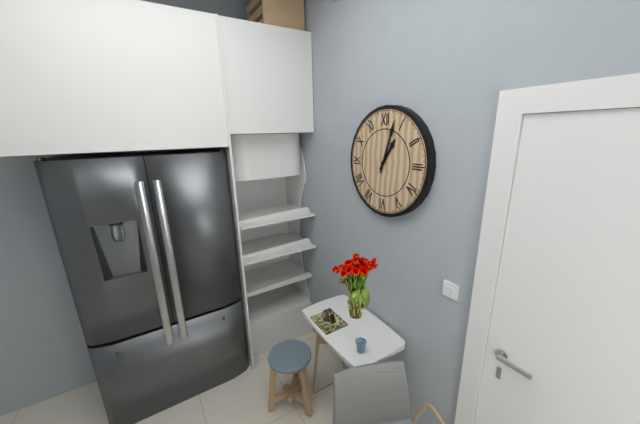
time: 1.03
